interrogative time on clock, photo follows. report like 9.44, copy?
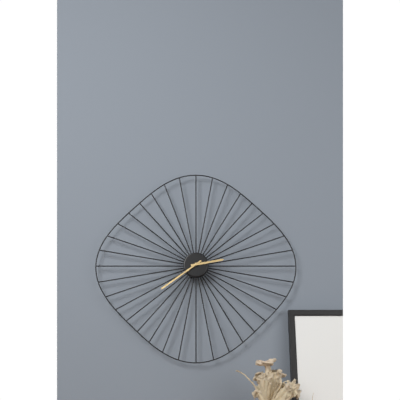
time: 2.39
